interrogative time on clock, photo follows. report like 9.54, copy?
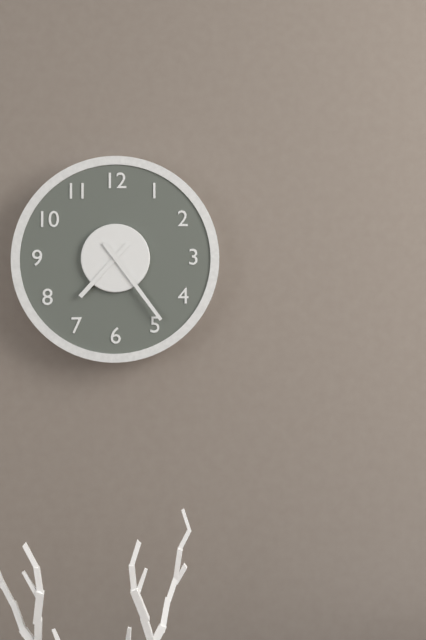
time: 7.24
